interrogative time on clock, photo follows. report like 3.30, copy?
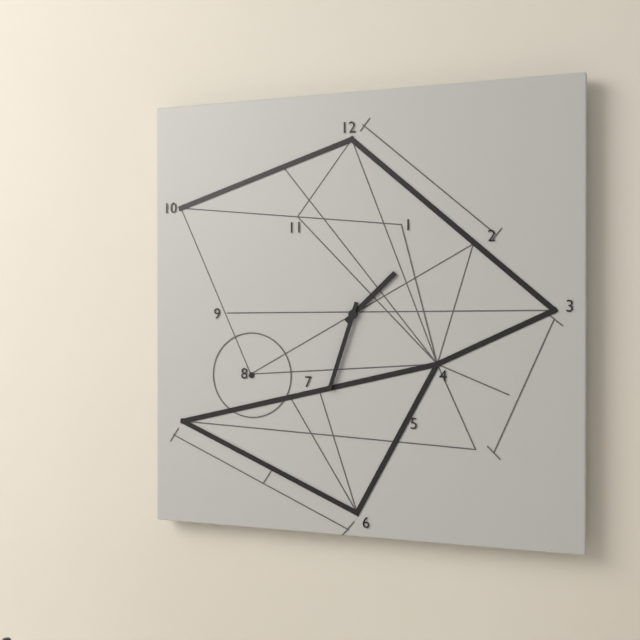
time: 1.33
